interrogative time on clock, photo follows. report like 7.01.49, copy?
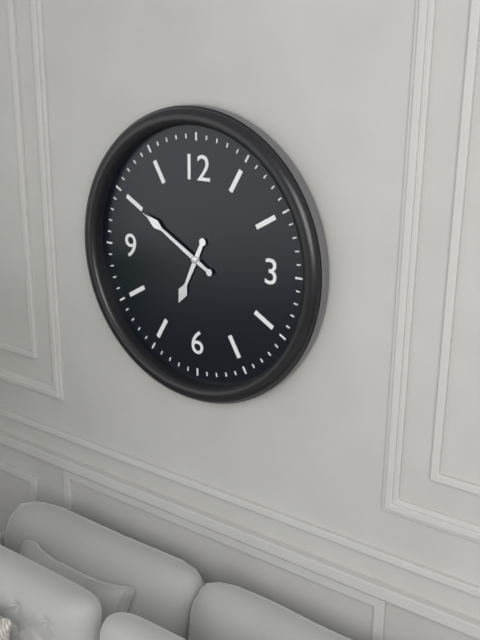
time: 6.50.50
